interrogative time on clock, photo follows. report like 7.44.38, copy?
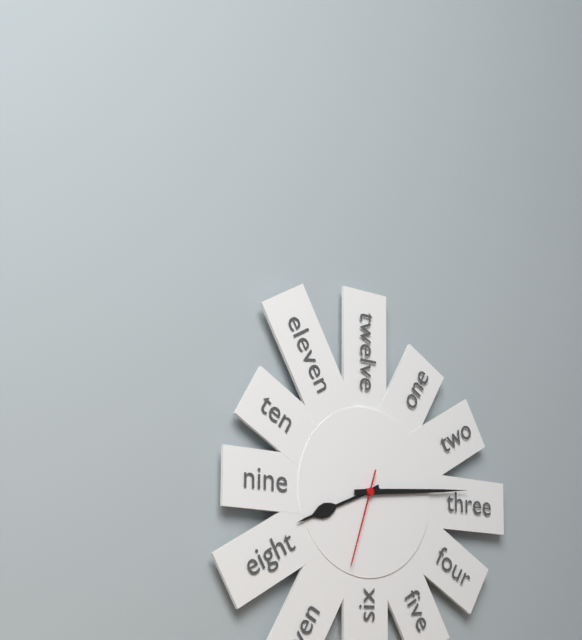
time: 8.14.33
